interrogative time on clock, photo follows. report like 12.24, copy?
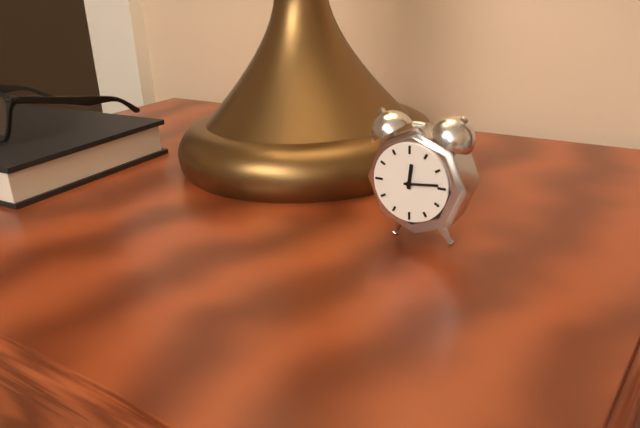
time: 12.14
